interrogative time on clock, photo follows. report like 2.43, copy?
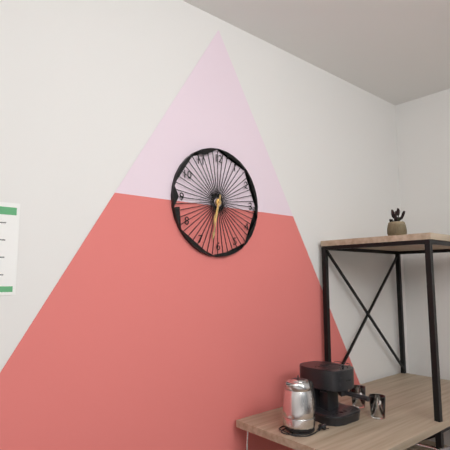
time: 6.32
